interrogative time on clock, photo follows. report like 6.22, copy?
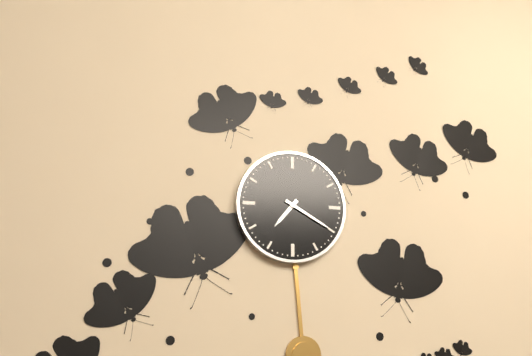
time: 7.20
